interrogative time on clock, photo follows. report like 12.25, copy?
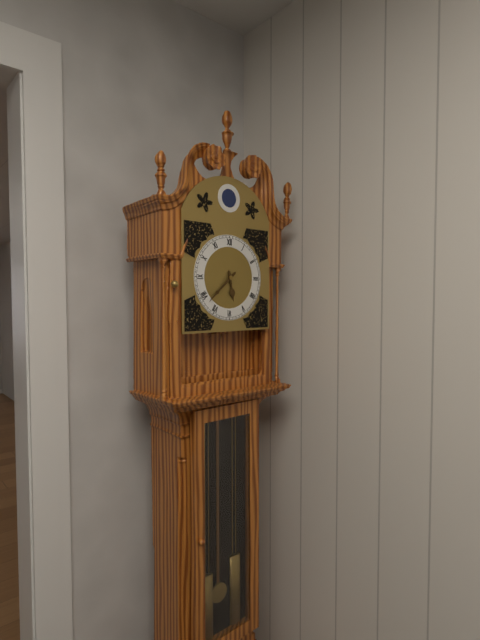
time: 5.38
